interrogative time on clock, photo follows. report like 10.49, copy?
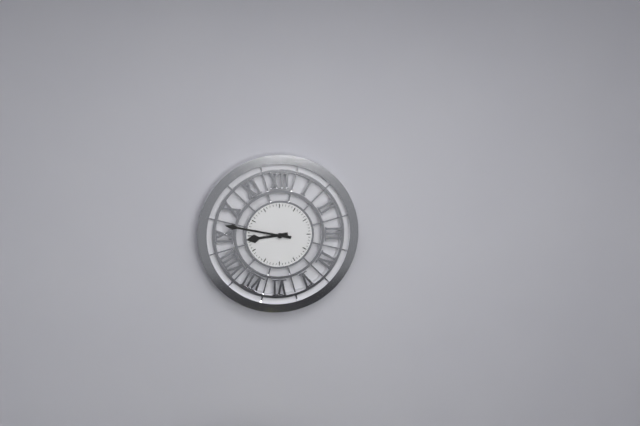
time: 8.47
